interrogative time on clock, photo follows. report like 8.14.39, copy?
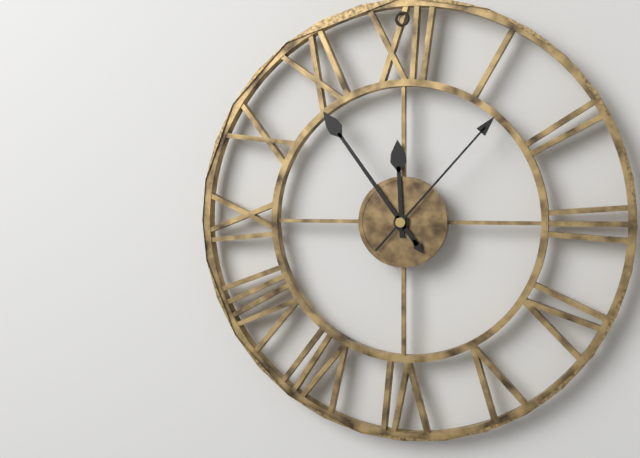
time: 11.54.07
